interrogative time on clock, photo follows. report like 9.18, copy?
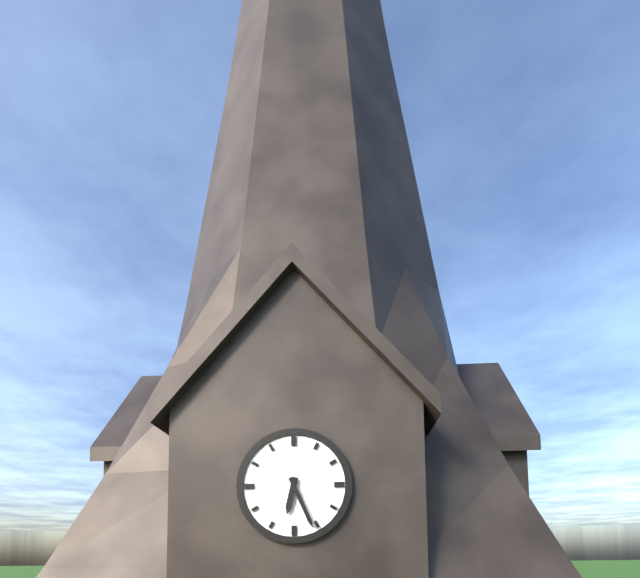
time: 6.26
